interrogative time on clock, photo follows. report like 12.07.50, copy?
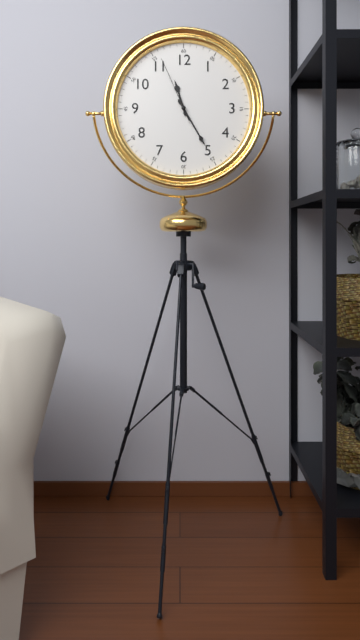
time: 11.25.56
